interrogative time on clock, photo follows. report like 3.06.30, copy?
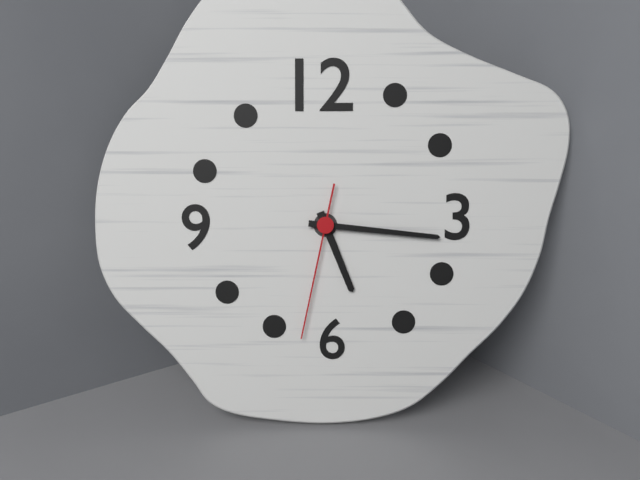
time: 5.16.32
